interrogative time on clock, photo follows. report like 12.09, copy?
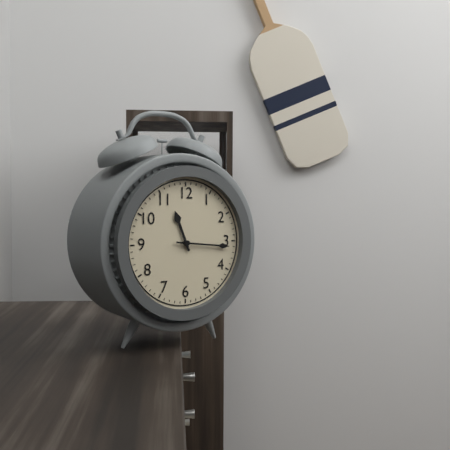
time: 11.16
